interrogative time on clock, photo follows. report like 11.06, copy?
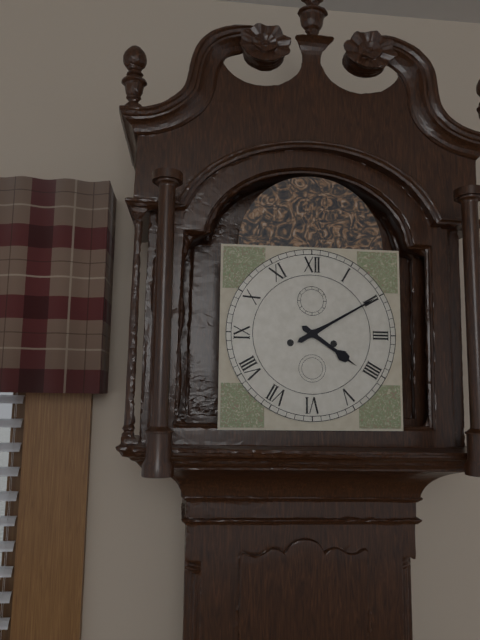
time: 4.10
